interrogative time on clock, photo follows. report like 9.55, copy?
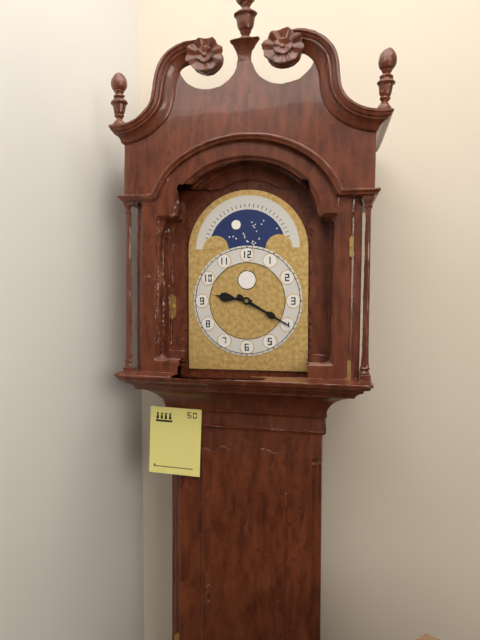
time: 9.20
